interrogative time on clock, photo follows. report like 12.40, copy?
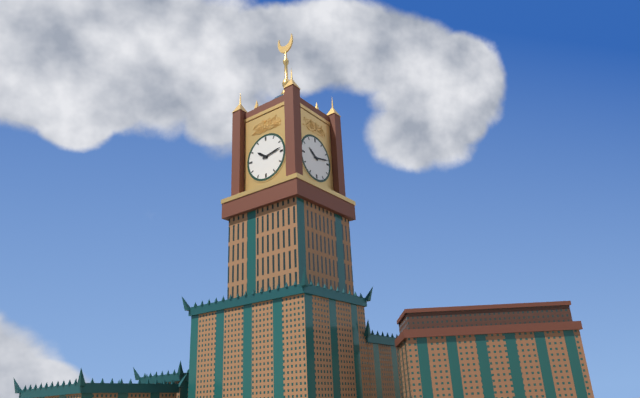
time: 10.13
